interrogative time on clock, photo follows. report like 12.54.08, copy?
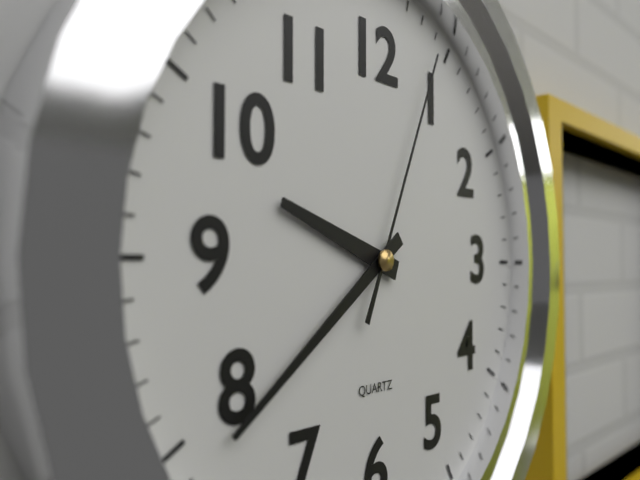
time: 9.39.04
